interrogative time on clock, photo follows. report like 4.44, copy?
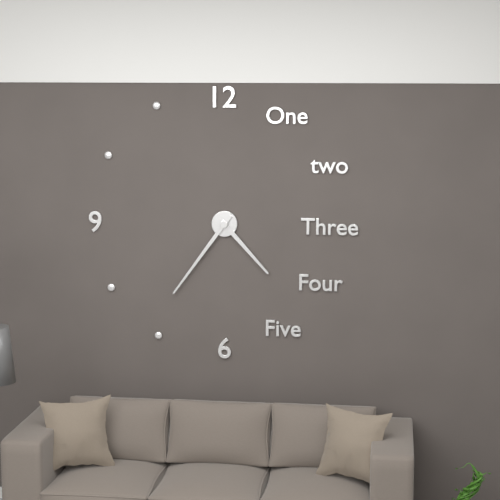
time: 4.36
